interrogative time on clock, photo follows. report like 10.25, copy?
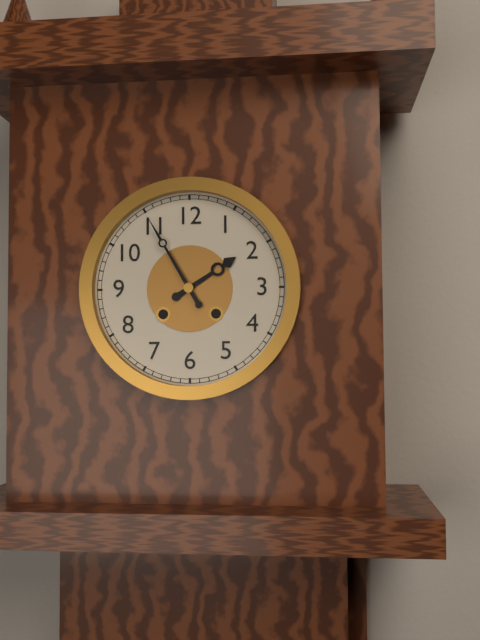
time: 1.55
